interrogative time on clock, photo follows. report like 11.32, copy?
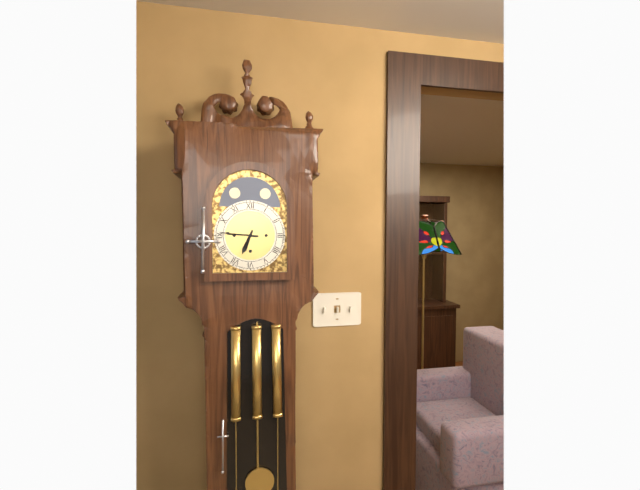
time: 6.46
